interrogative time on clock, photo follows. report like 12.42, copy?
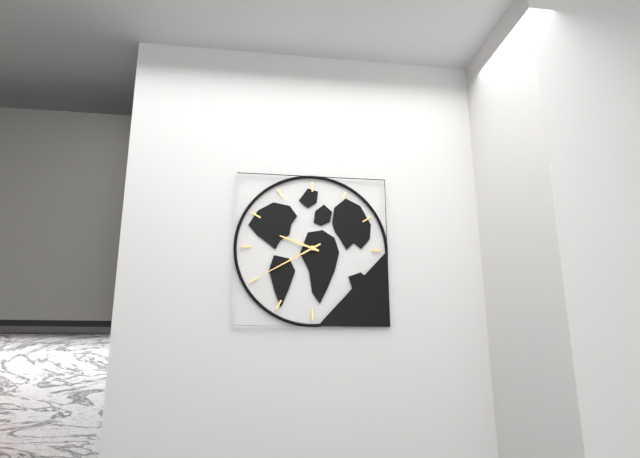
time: 9.40
